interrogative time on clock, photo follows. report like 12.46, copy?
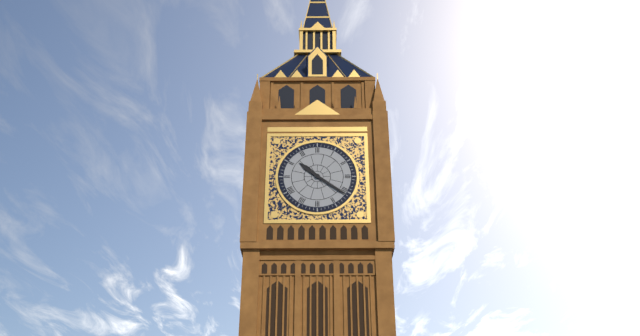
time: 10.21
